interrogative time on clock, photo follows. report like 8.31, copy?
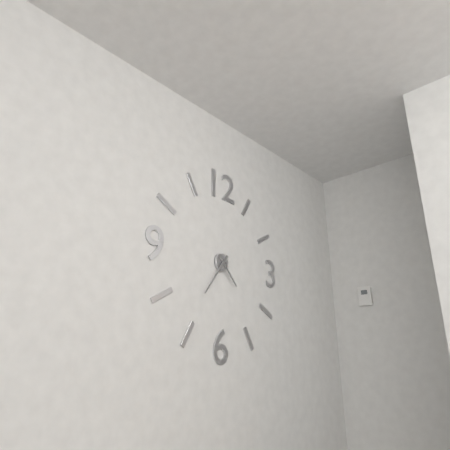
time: 4.36
